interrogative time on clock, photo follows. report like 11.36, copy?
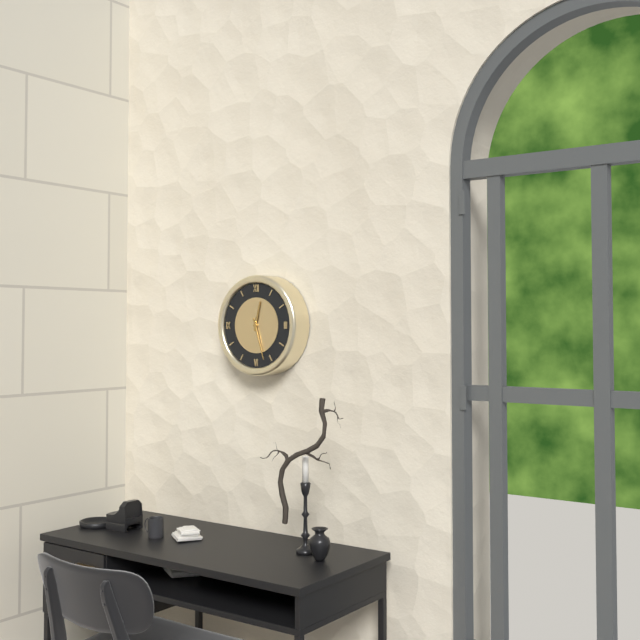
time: 12.27
